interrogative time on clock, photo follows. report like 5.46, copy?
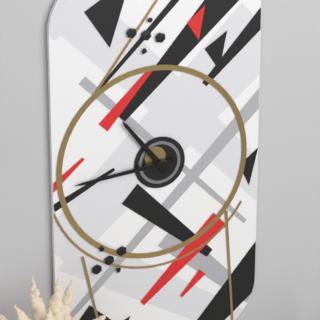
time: 10.44
